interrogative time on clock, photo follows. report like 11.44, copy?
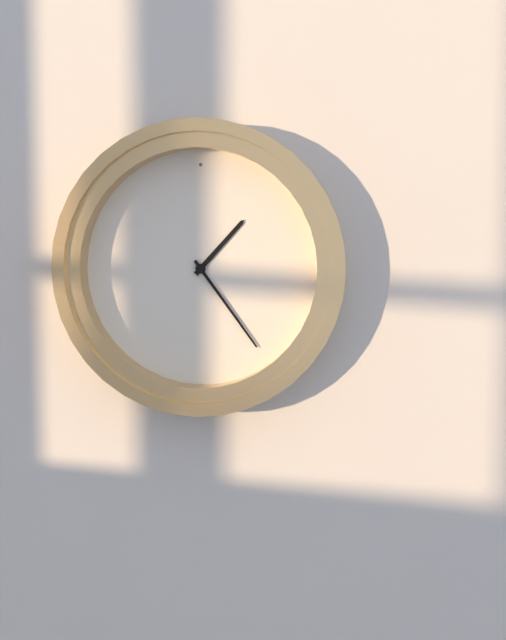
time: 1.24
